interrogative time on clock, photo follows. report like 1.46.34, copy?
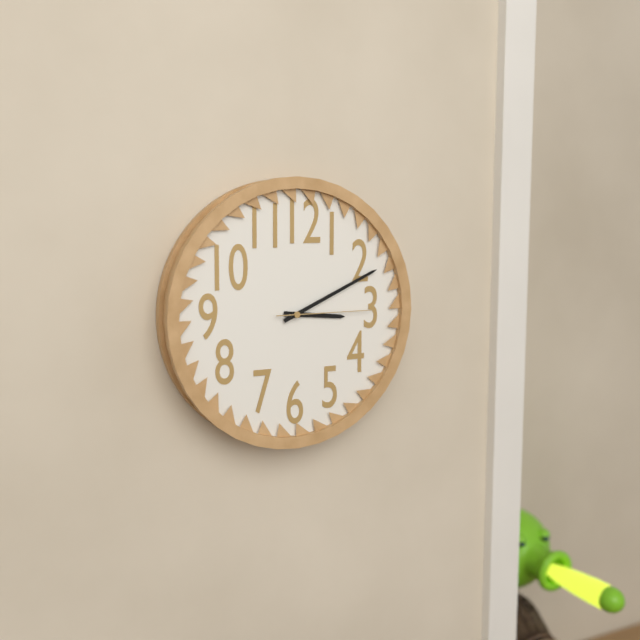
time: 3.11.15
